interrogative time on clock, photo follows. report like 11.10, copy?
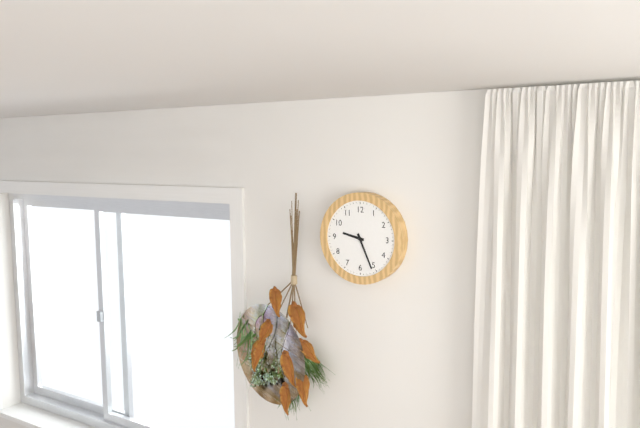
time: 9.26
